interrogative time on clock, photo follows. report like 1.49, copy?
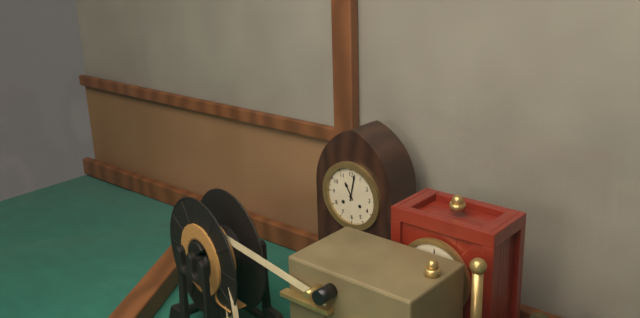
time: 11.02
